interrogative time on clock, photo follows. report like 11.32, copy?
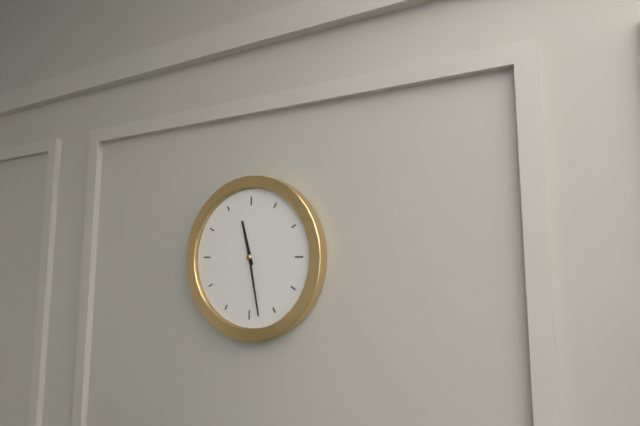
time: 11.28
